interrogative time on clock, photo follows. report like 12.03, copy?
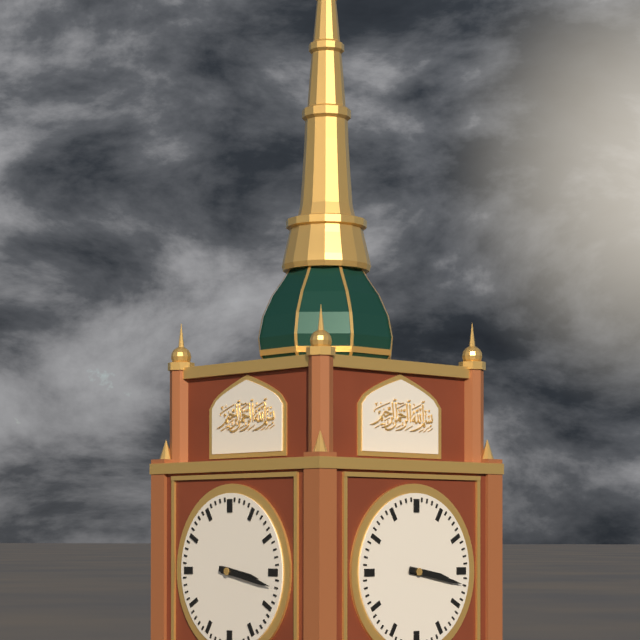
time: 3.17
